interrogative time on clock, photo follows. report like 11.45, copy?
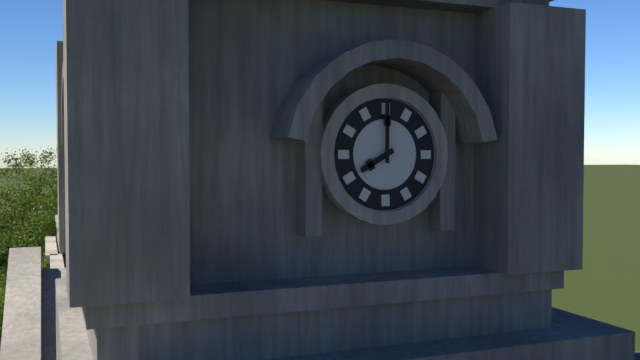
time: 8.00
